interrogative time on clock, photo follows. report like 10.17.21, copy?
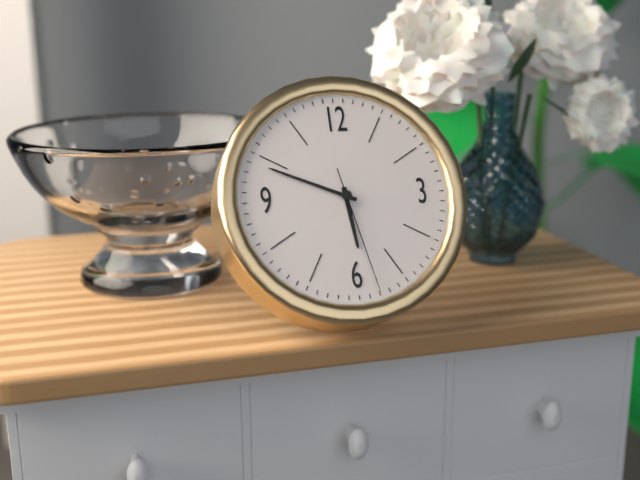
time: 5.49.28
